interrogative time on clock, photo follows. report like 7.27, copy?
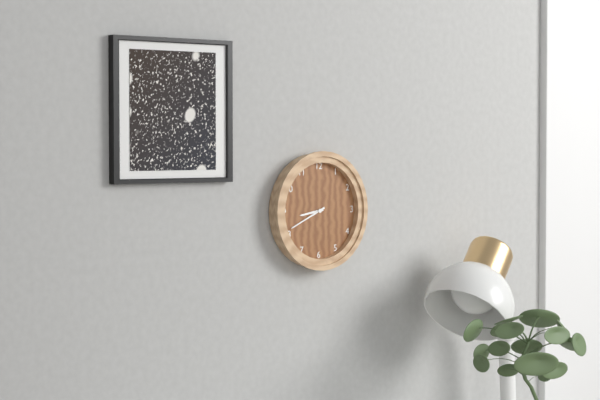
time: 8.41
